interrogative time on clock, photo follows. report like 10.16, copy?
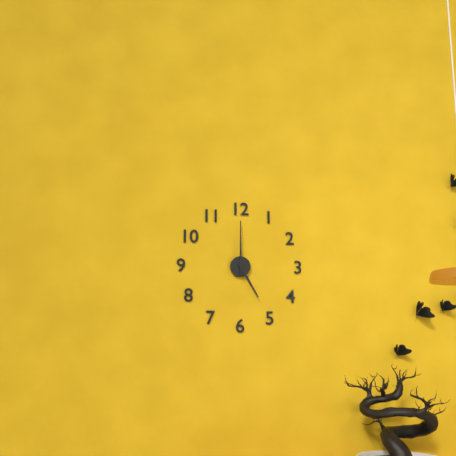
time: 5.00
